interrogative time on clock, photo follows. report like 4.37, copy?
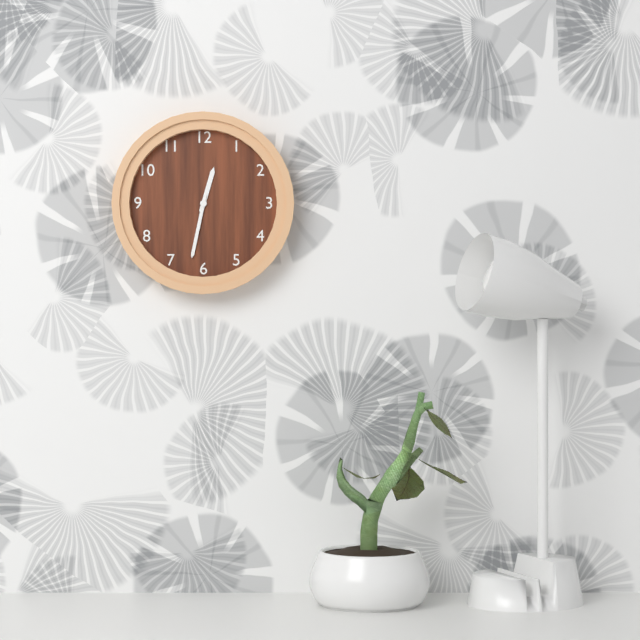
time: 12.32
